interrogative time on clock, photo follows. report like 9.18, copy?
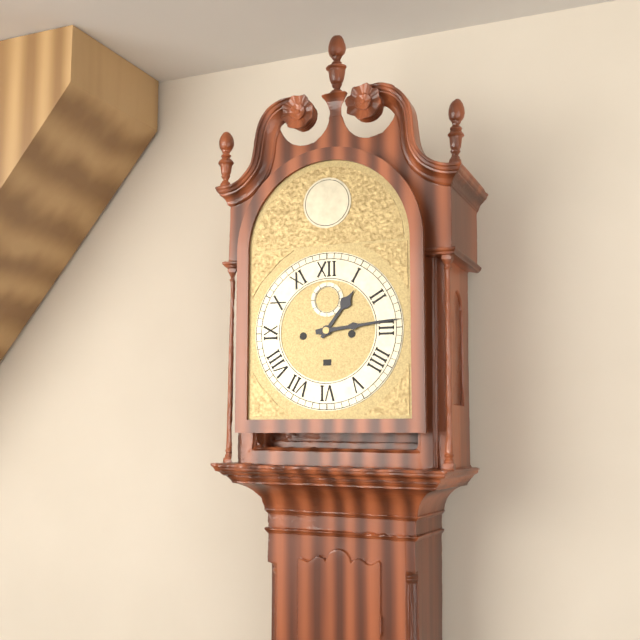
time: 1.14
